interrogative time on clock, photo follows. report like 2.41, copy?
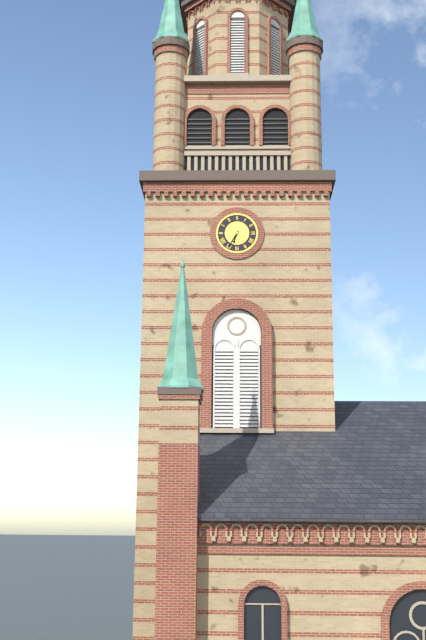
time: 6.35
